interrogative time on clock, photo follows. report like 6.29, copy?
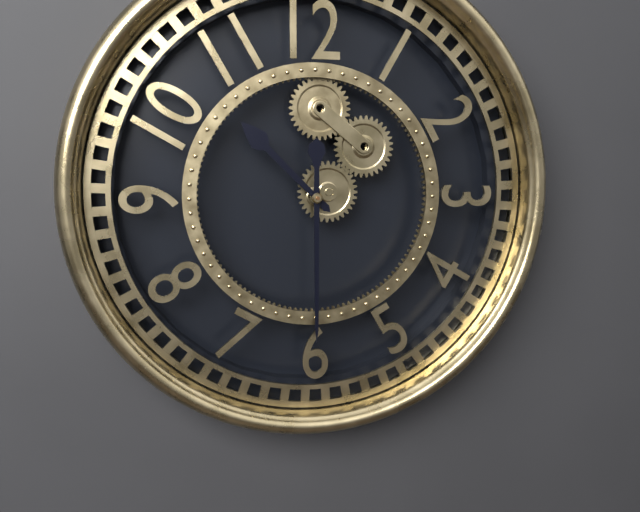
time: 10.30
